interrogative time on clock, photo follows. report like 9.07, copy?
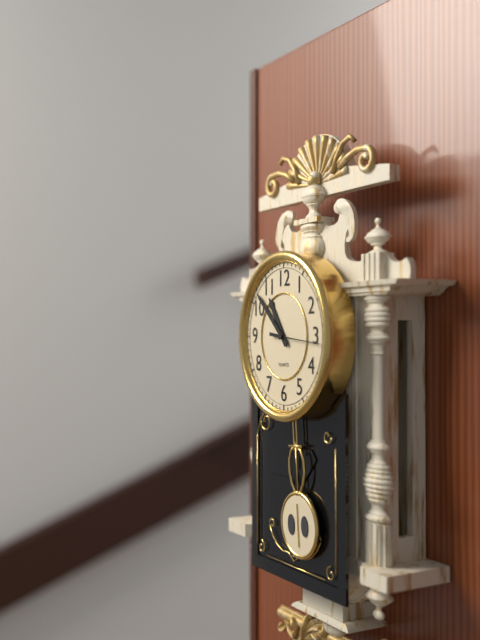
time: 10.52
